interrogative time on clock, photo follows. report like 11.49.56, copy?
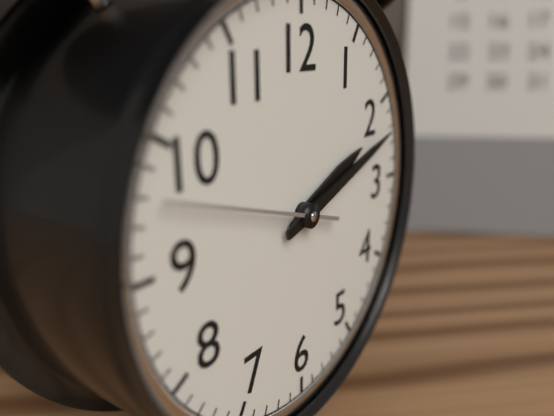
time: 2.12.48
